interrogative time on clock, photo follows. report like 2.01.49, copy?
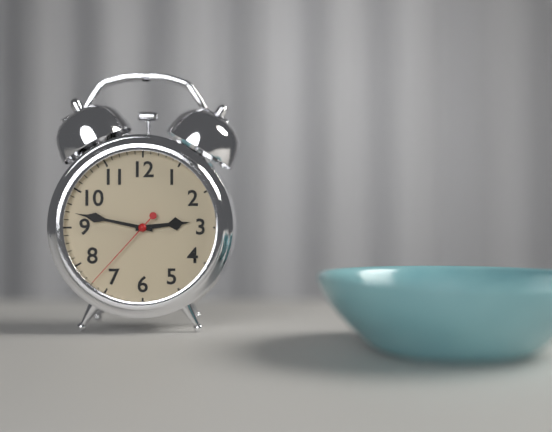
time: 2.47.37
